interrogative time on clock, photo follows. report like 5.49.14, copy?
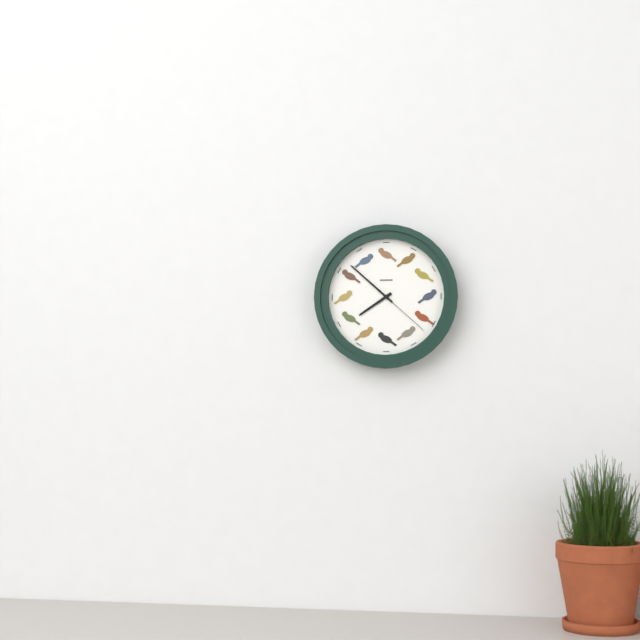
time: 7.52.22
